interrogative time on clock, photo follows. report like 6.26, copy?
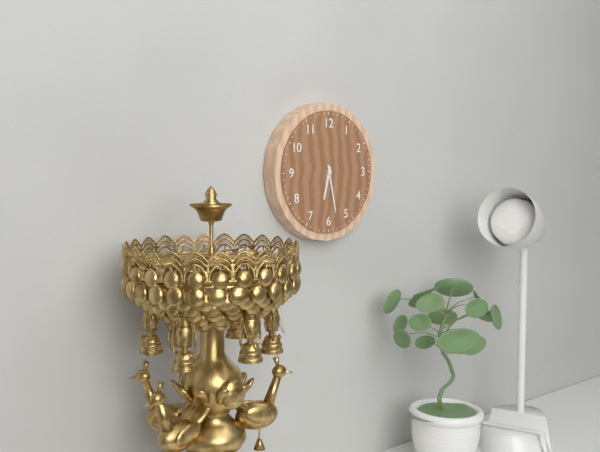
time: 6.28
